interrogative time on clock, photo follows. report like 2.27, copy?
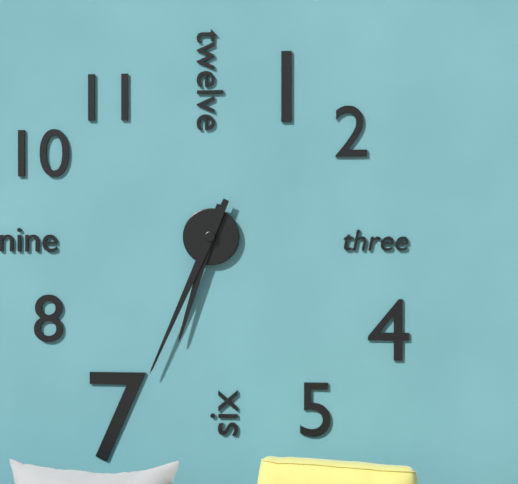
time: 6.34
